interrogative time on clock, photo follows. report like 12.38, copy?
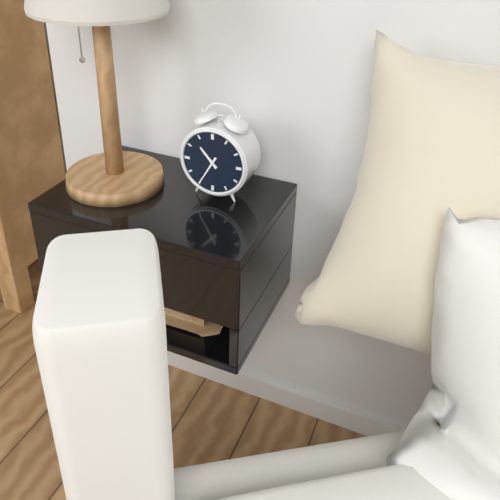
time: 10.35
